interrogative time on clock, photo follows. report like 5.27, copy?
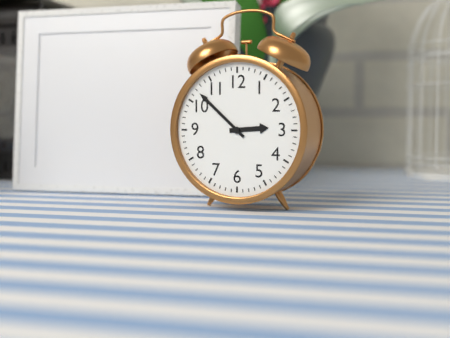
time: 2.52
